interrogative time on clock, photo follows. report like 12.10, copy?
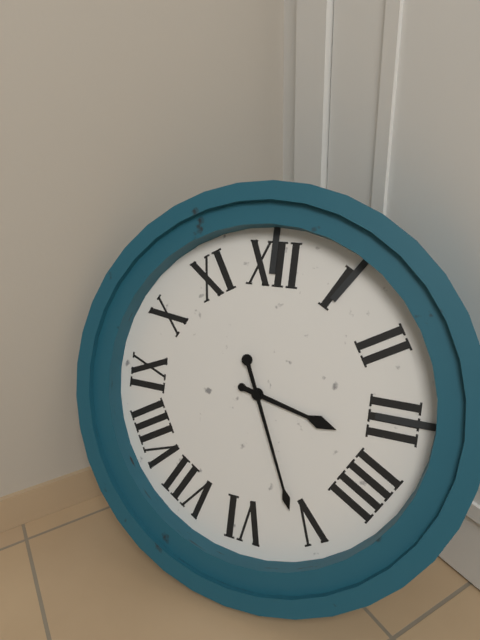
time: 3.26
